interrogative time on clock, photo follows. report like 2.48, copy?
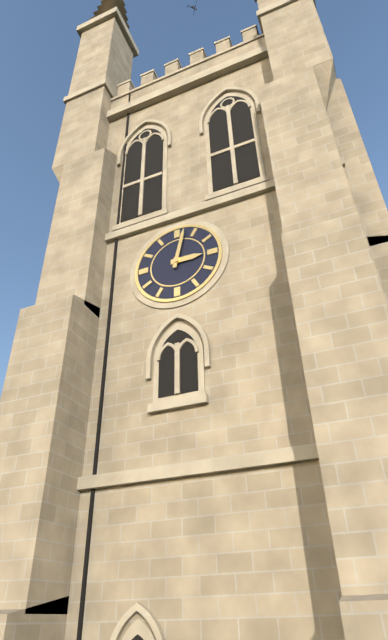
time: 3.02
